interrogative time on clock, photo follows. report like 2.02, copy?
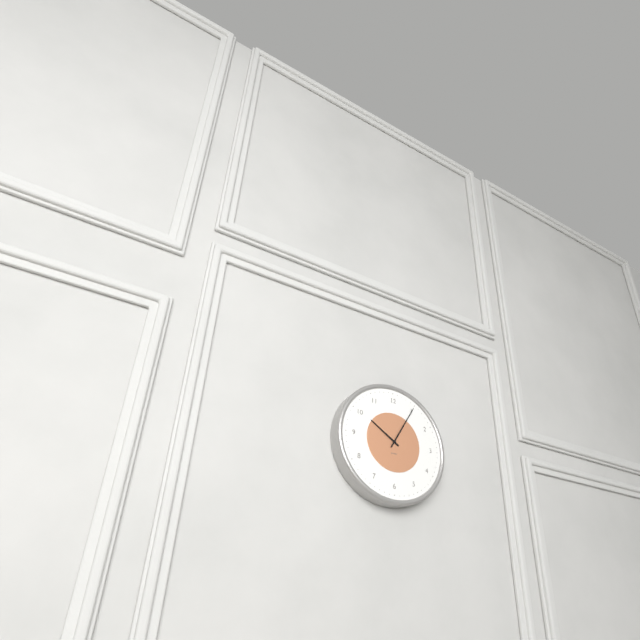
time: 10.05
